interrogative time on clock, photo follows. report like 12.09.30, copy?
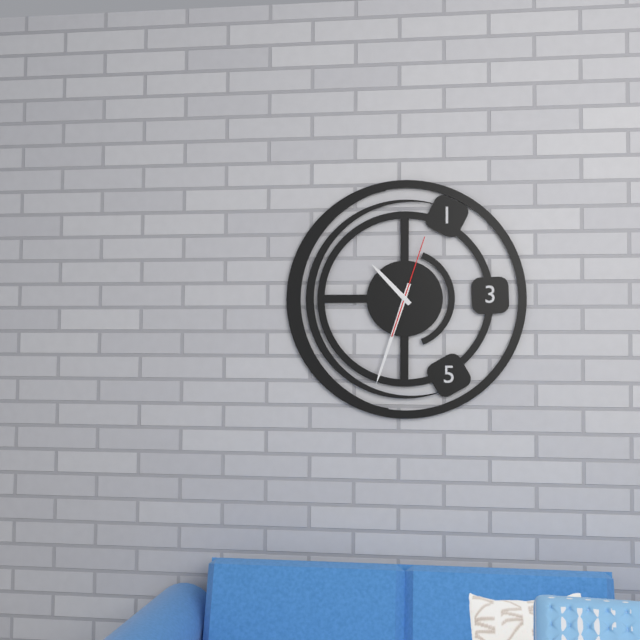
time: 10.33.03
